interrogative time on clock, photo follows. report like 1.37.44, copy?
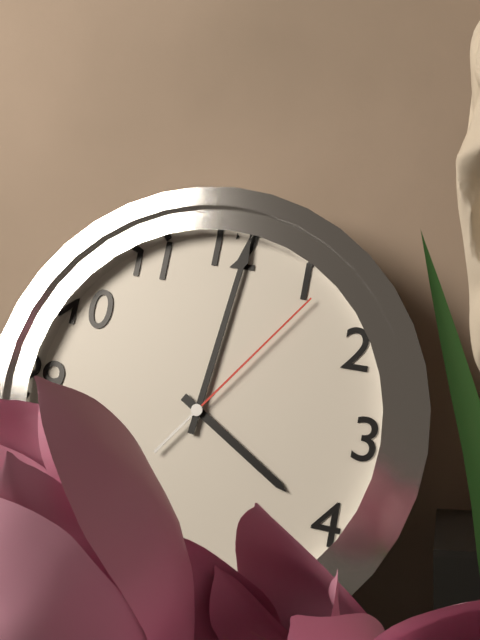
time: 4.01.06
